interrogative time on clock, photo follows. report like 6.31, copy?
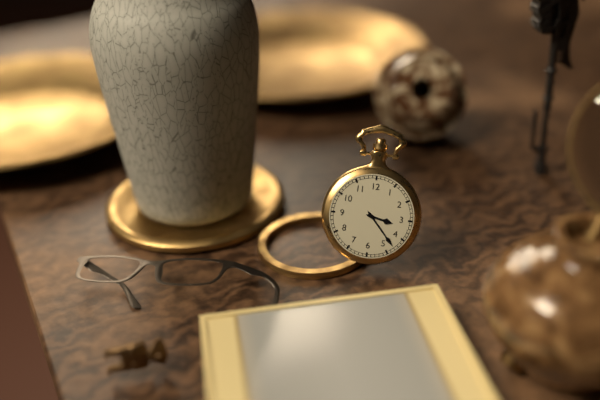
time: 3.23
